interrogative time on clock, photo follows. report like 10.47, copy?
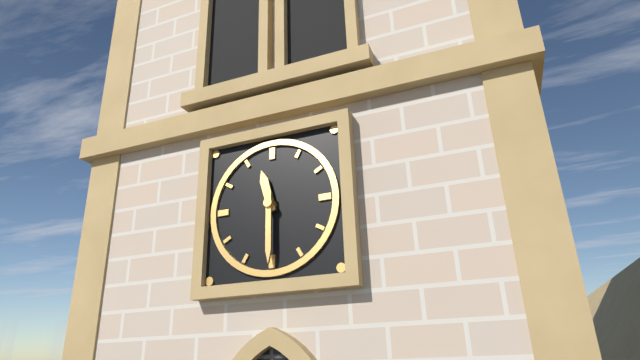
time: 11.30
